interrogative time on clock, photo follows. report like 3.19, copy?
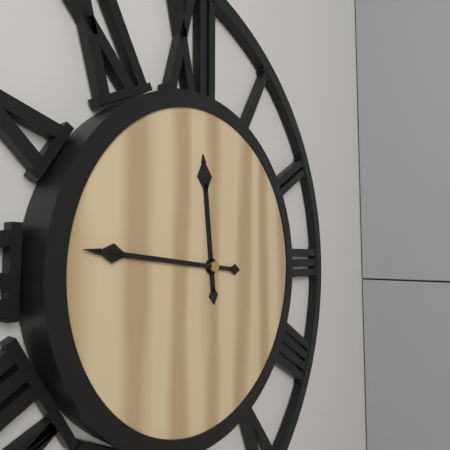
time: 11.46
